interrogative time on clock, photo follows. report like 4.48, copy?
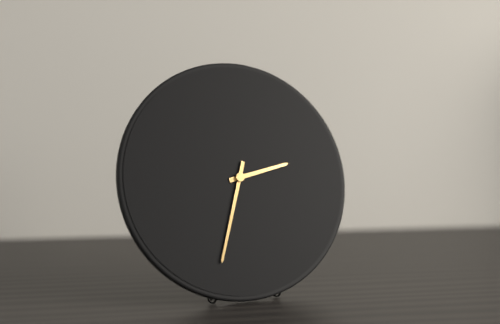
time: 2.33
